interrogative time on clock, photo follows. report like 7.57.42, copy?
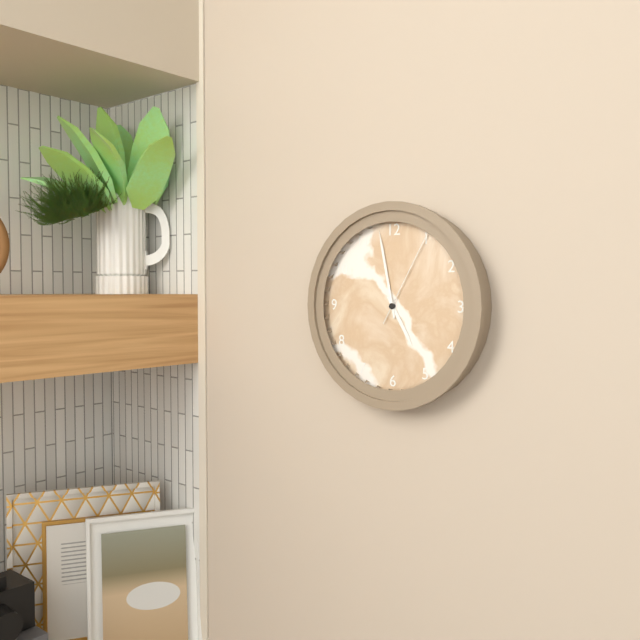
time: 4.58.05
